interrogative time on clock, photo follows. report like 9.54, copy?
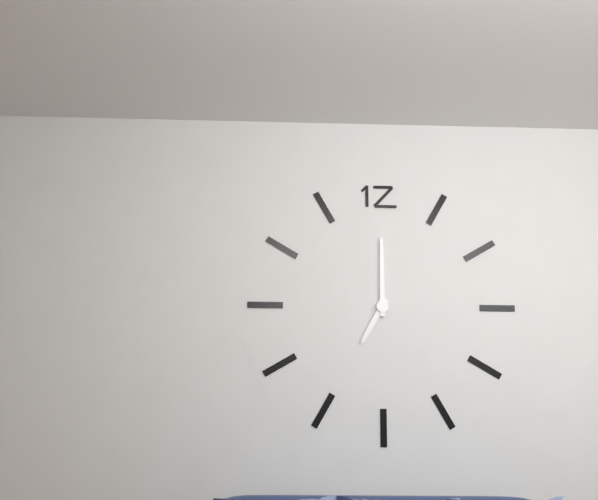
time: 7.00
